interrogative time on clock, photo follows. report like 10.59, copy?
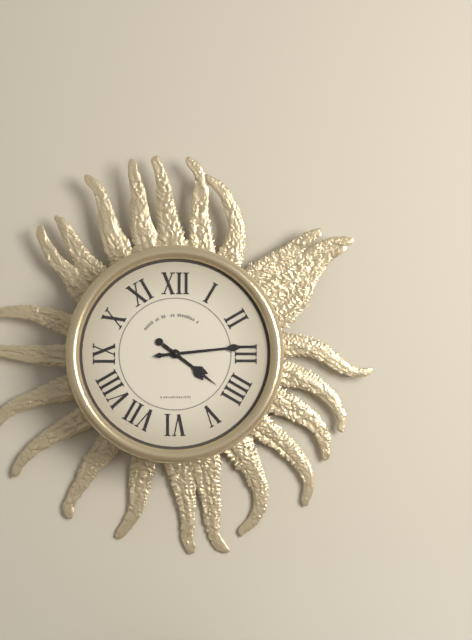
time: 4.14
